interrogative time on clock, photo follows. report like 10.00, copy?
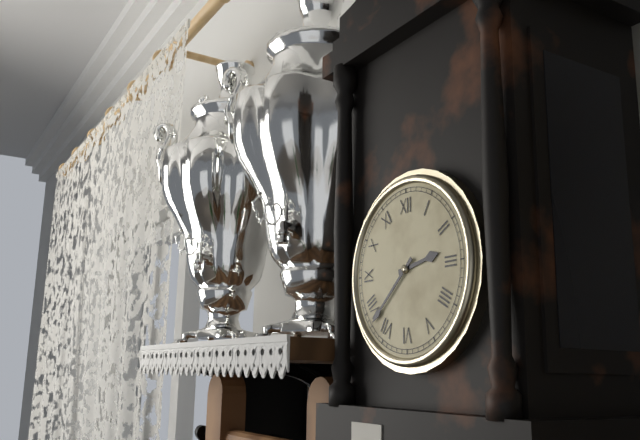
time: 2.38
